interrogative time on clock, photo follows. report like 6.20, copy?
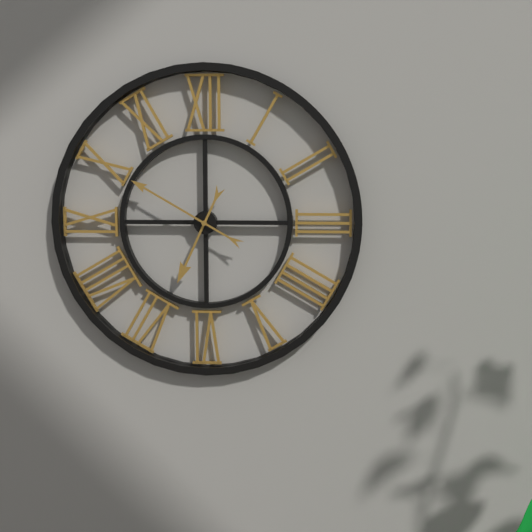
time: 6.50
